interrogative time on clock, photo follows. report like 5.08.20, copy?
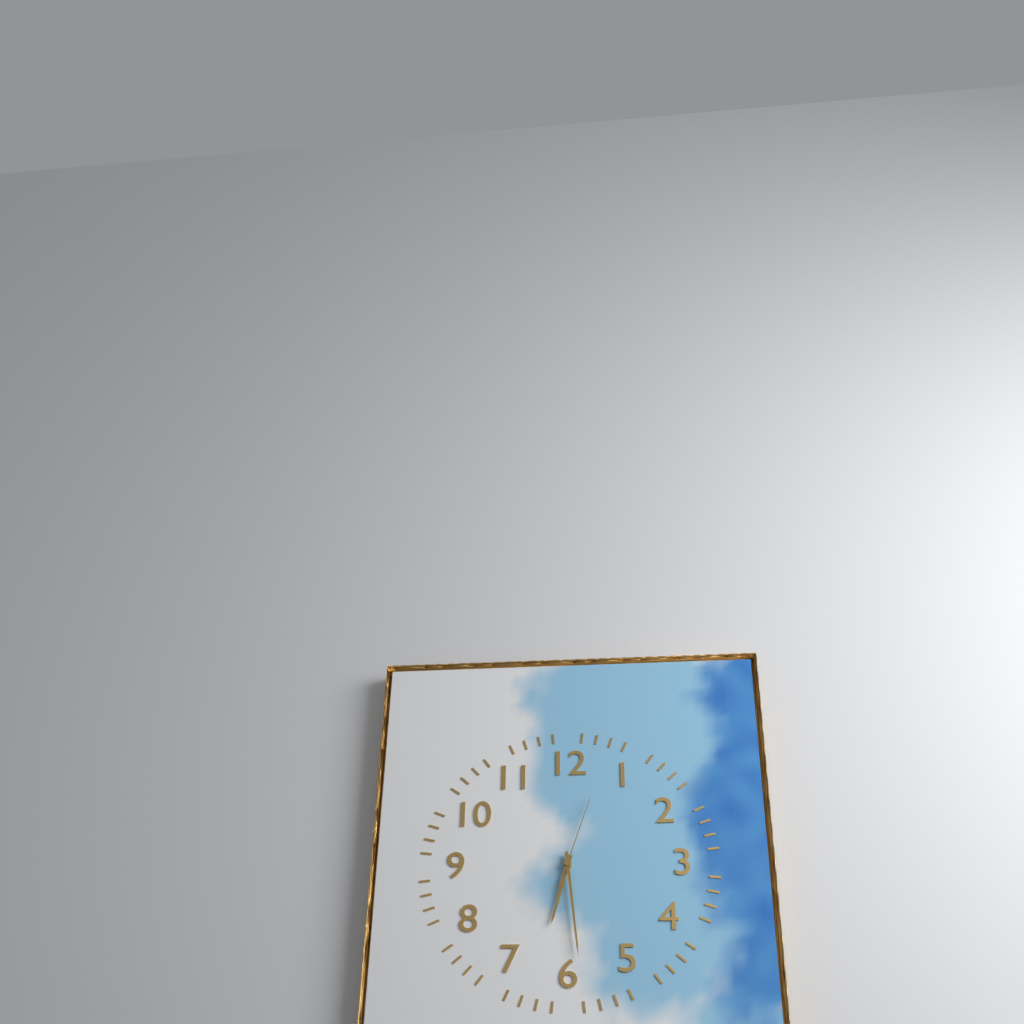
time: 6.29.03
